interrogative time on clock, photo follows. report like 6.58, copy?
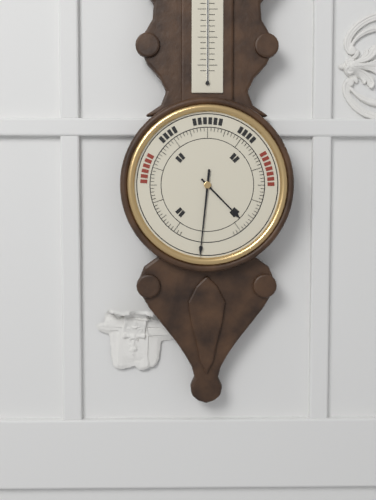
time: 4.31
